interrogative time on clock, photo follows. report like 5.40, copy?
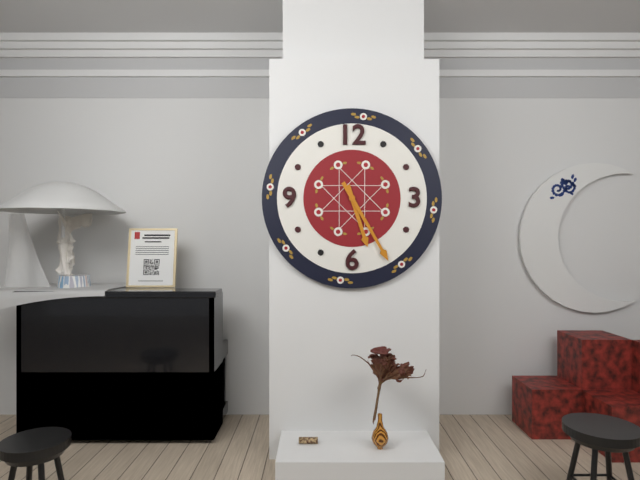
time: 5.25
